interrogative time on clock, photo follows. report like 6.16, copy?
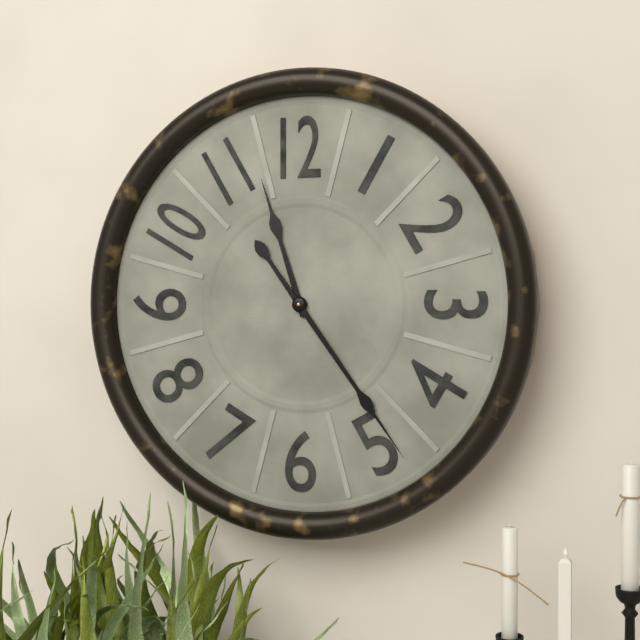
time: 11.24
